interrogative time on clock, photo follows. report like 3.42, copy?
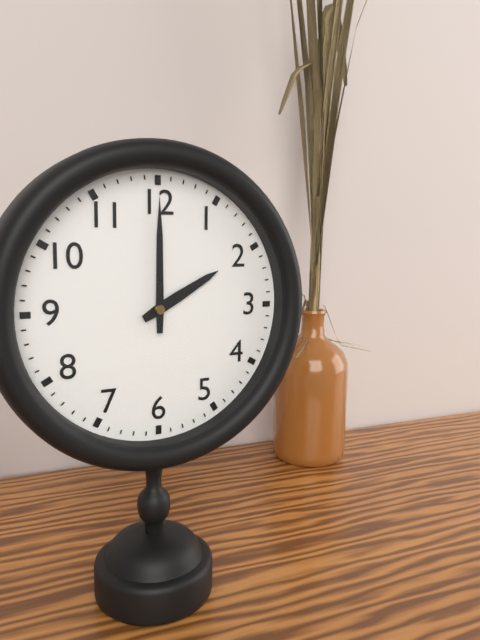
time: 2.00
